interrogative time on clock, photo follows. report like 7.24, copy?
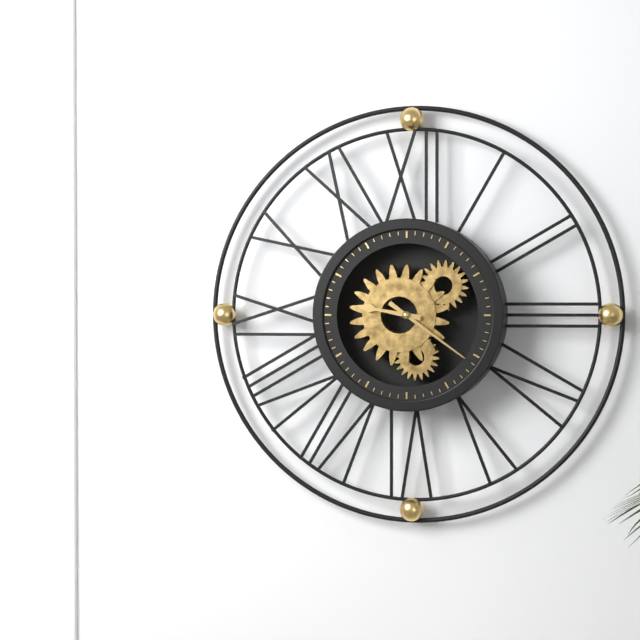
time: 9.21
